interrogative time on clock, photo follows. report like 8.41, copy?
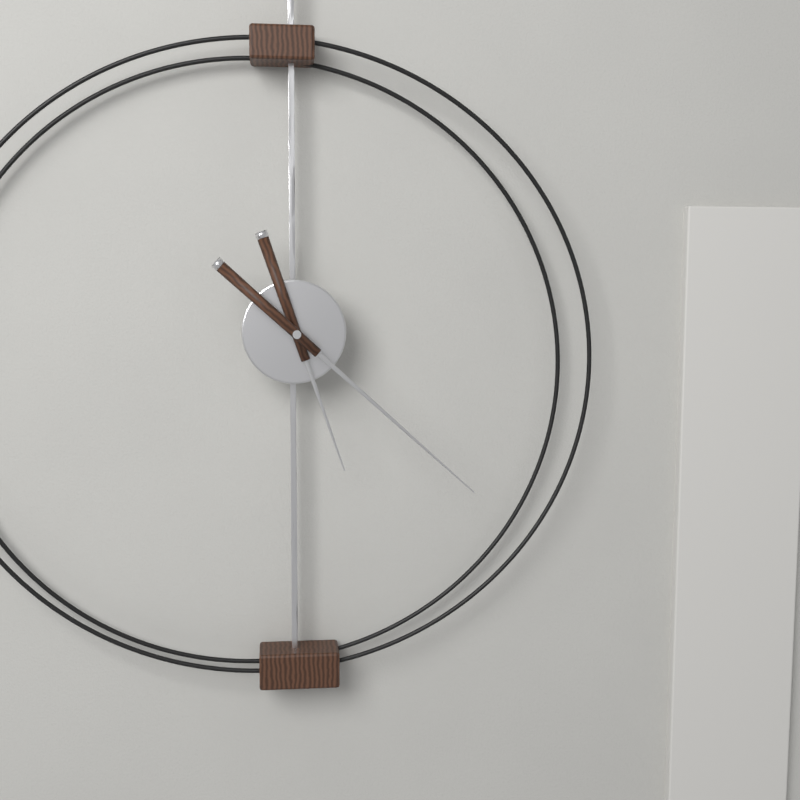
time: 5.22
